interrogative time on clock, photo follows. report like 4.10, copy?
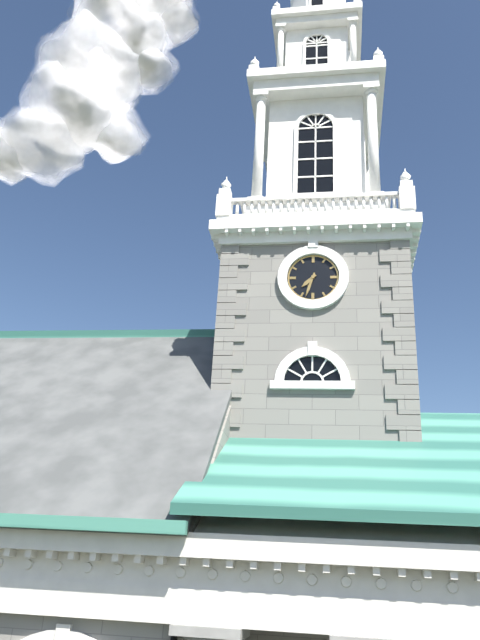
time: 7.33
